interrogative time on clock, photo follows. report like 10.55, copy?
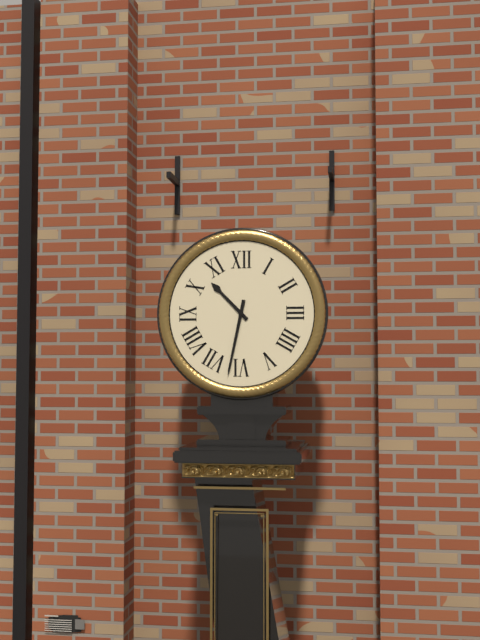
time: 10.32
